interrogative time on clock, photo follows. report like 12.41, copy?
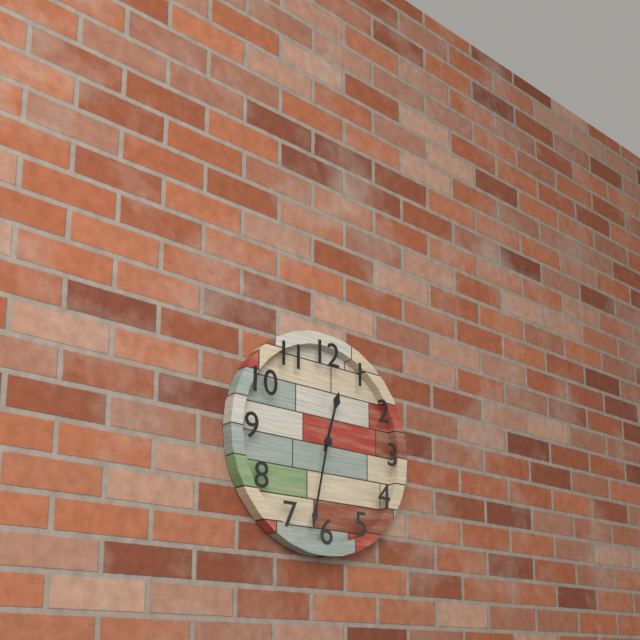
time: 12.32
